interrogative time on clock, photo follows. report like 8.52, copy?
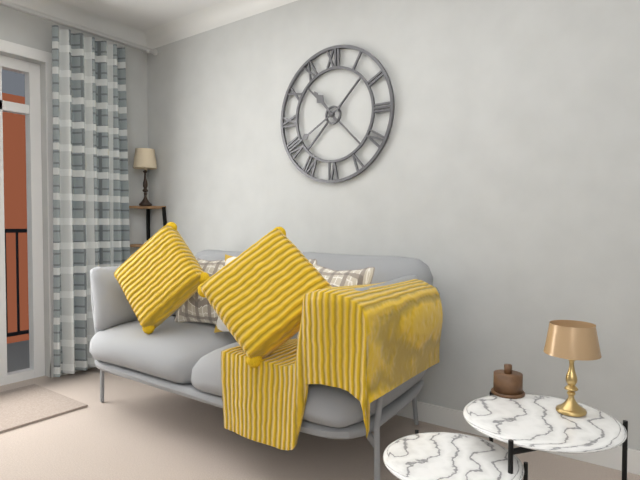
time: 10.40
